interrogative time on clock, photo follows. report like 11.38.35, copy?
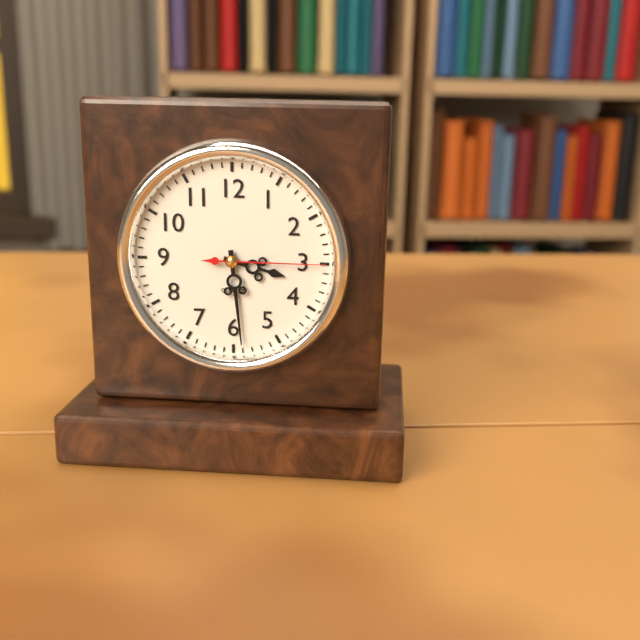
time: 3.29.15
